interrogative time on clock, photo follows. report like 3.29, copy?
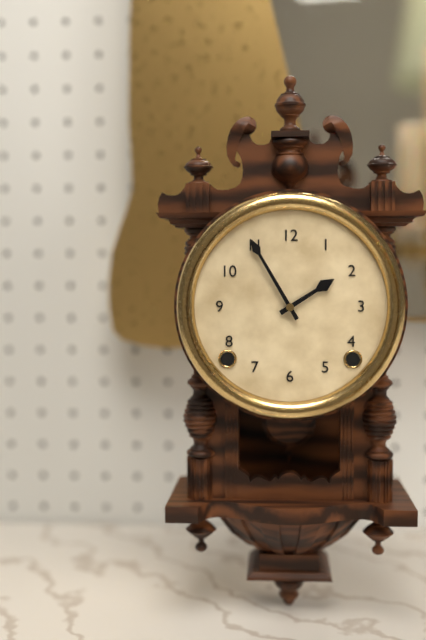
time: 1.55
